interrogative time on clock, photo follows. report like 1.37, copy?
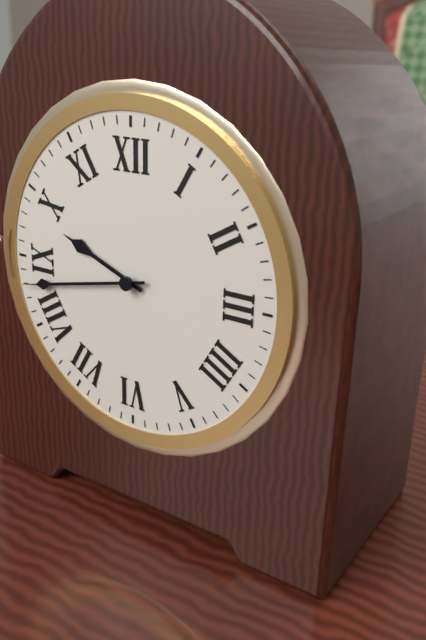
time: 9.43
